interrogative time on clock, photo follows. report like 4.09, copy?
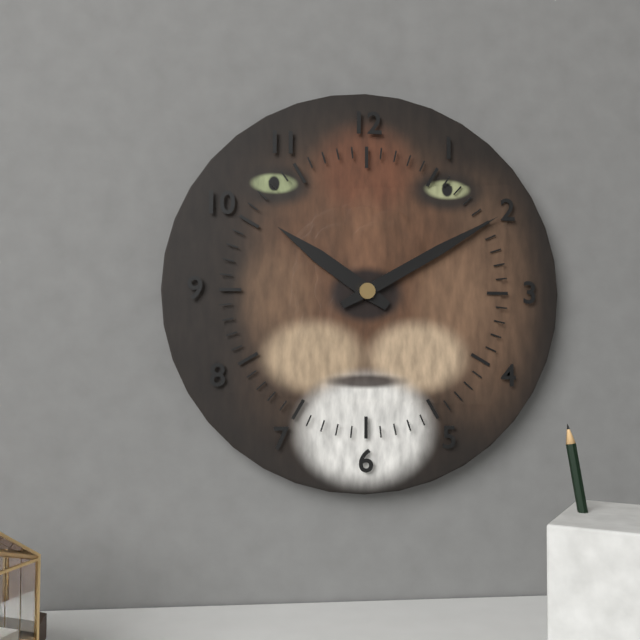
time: 10.10
